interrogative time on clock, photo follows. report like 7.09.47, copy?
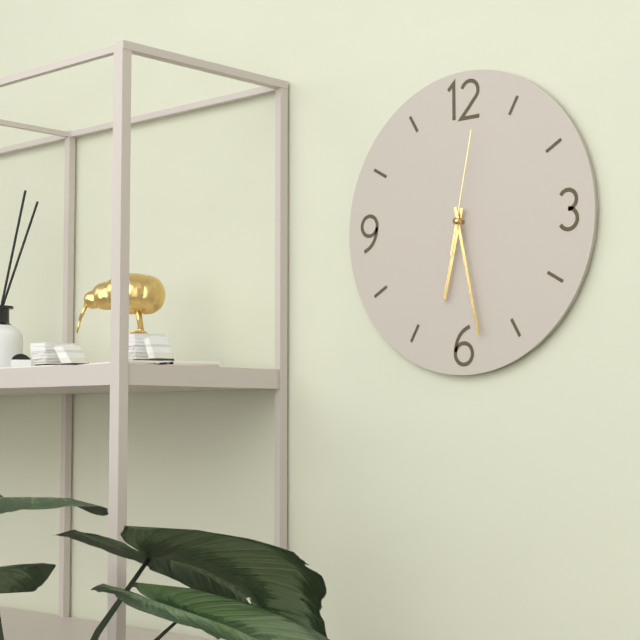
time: 6.28.02
